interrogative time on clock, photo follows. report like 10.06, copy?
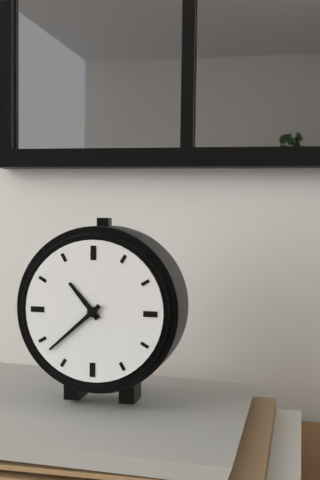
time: 10.38
